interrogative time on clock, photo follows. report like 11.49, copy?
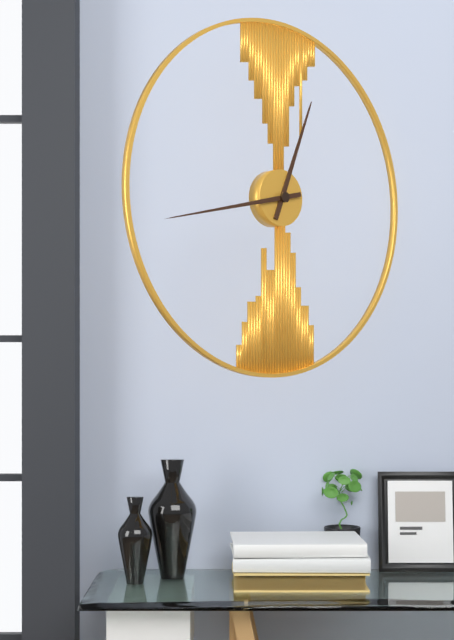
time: 12.43
